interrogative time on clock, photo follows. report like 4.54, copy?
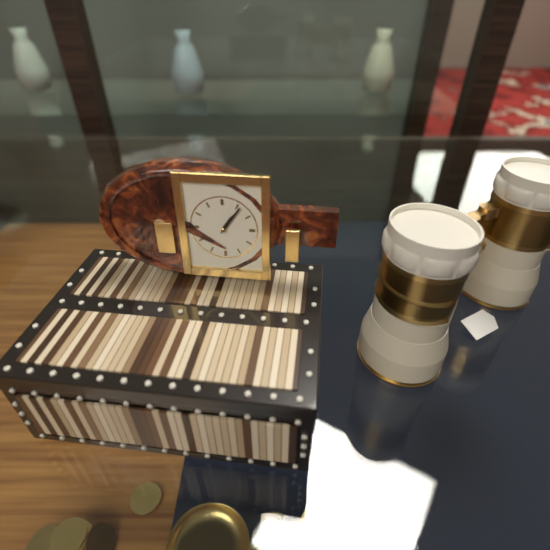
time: 1.06
